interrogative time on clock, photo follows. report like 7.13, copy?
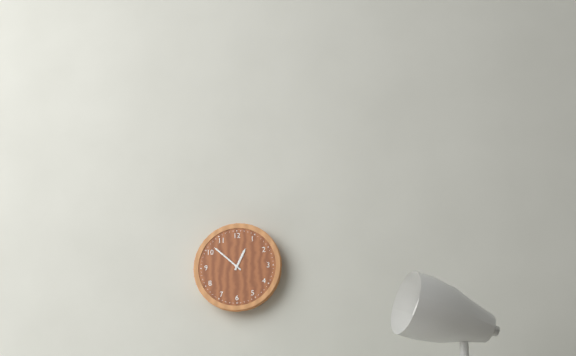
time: 12.52
